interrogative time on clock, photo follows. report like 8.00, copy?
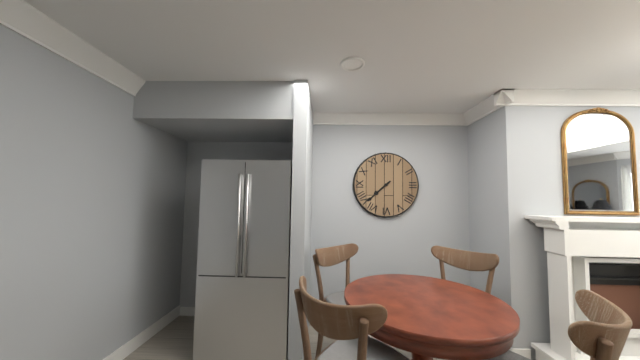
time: 7.38
